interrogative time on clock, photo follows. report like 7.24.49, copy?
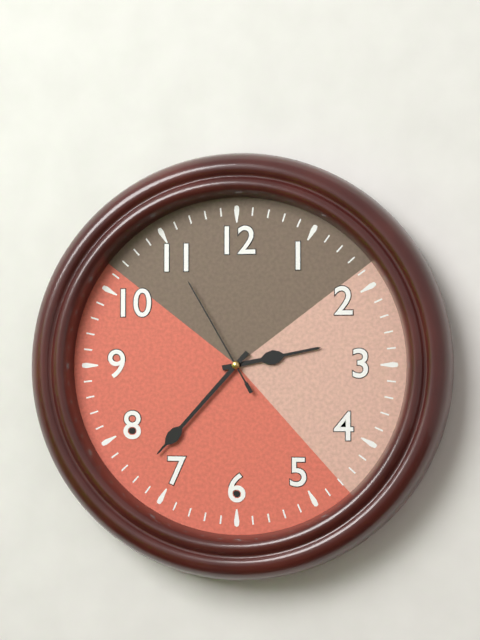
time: 2.37.55
